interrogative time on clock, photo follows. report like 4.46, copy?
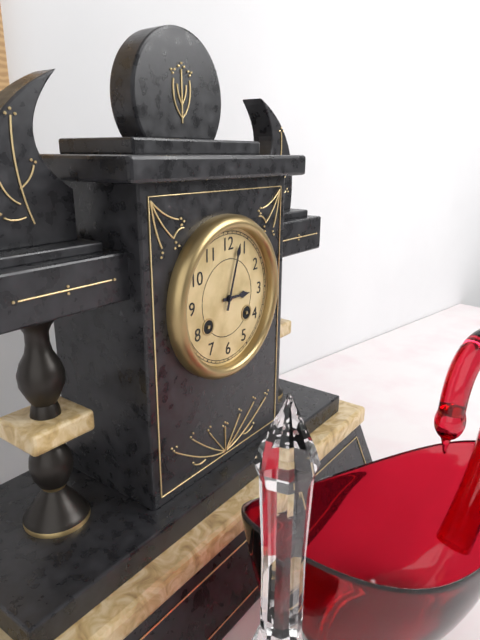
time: 3.03
